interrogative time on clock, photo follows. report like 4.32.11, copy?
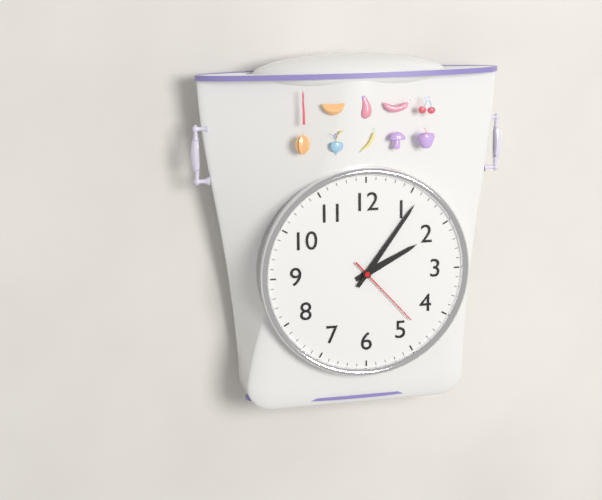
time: 2.06.23
